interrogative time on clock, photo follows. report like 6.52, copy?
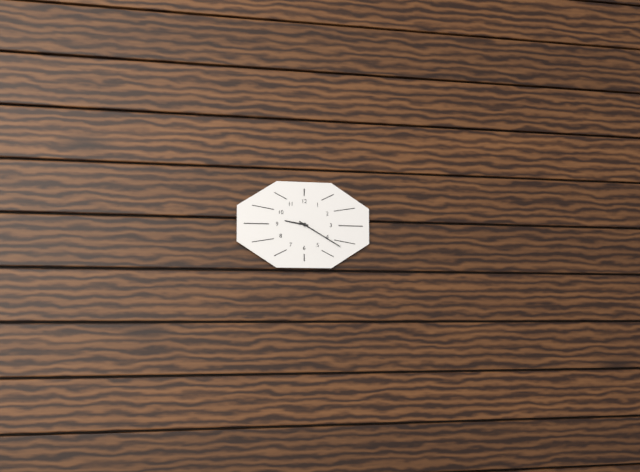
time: 9.20
